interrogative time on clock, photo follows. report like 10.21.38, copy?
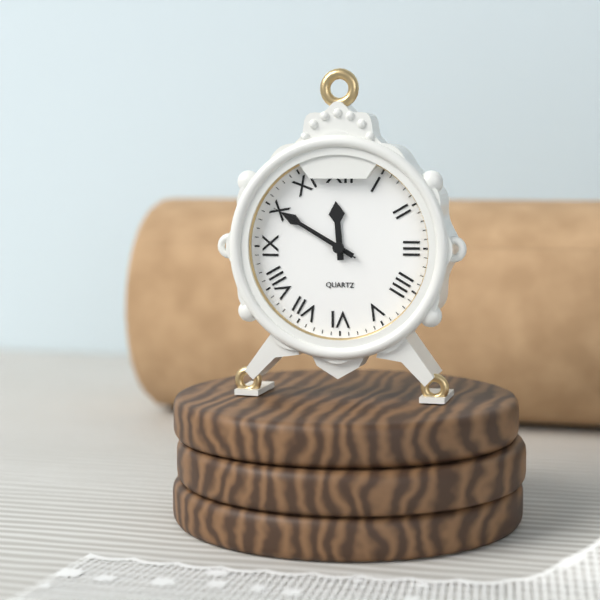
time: 11.50.50
